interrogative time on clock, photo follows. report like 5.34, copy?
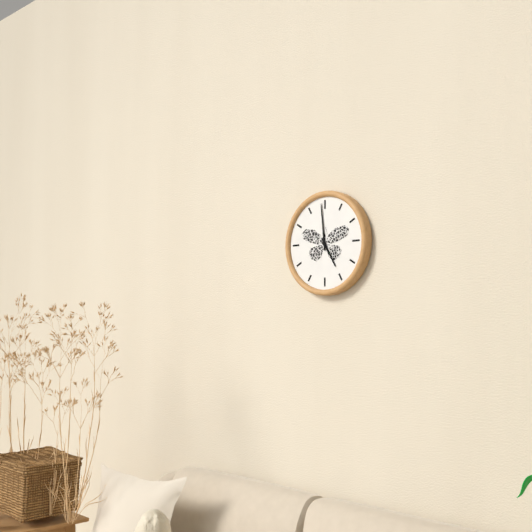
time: 4.59
